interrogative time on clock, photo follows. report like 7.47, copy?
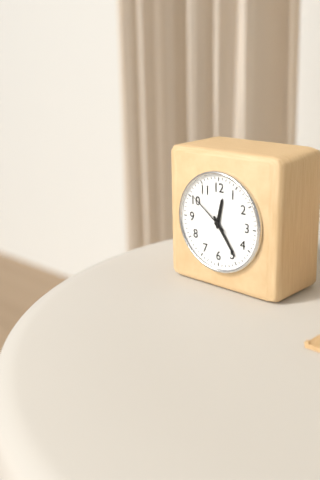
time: 12.24
